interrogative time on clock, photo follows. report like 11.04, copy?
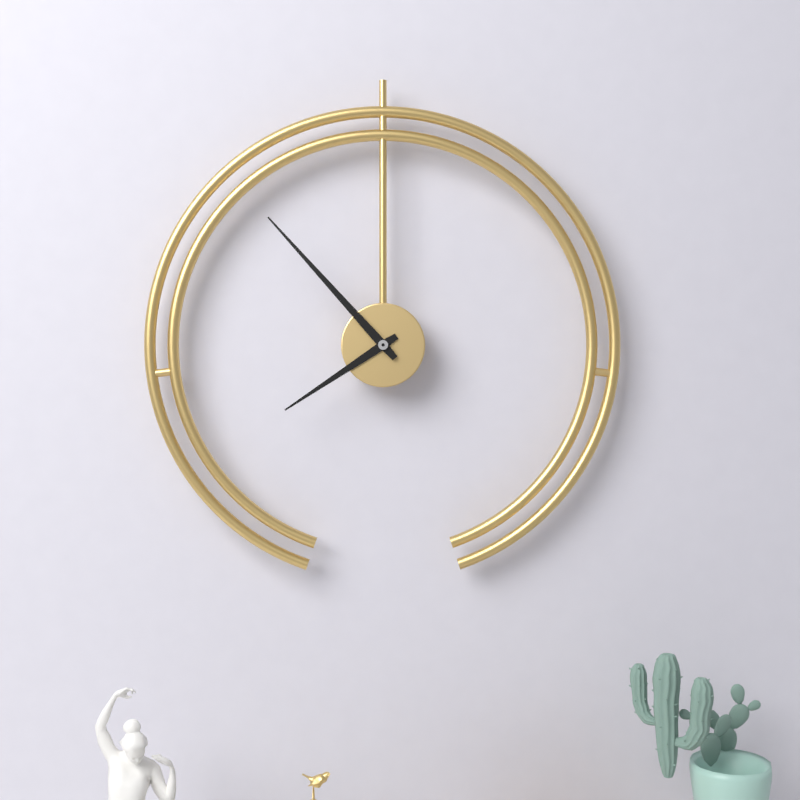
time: 7.53
